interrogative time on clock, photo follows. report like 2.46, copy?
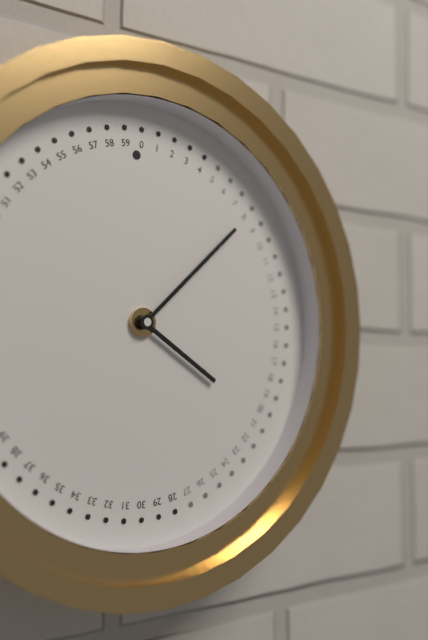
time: 4.08
